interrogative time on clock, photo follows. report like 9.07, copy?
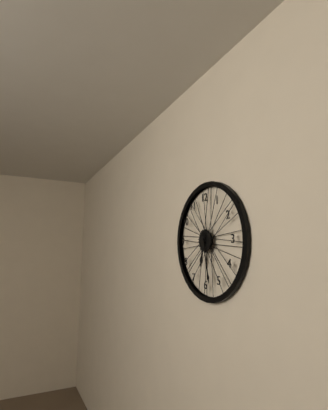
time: 6.28
